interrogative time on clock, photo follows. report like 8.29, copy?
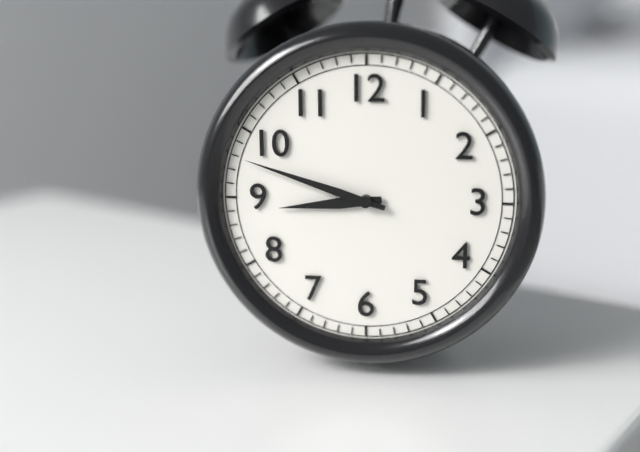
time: 8.48
